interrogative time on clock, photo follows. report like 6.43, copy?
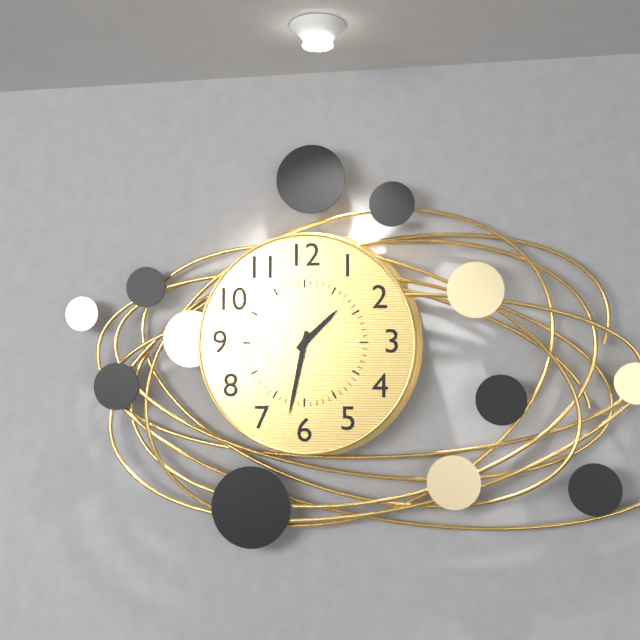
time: 1.32
